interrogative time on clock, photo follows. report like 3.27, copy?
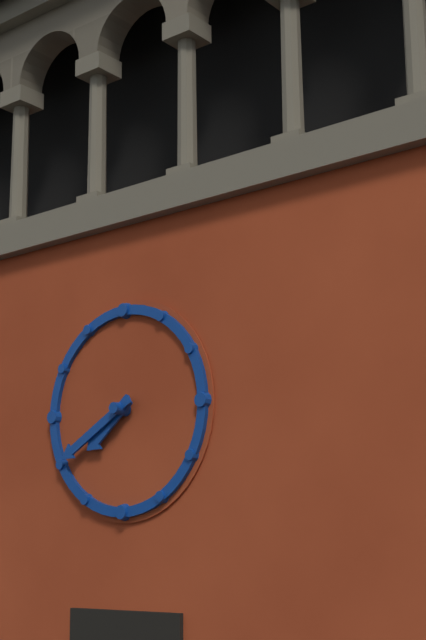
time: 7.40
